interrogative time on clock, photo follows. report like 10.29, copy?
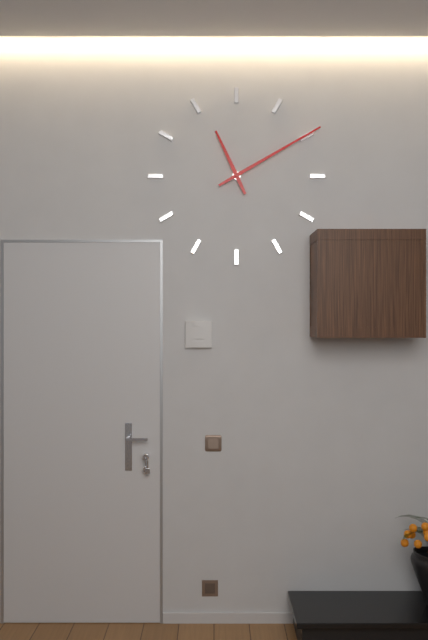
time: 11.10
